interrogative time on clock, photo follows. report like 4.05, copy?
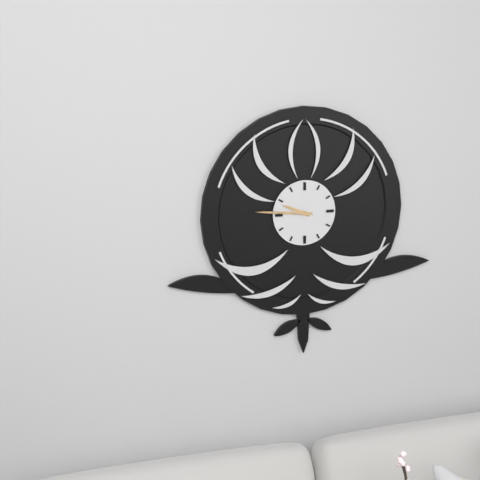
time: 9.46
